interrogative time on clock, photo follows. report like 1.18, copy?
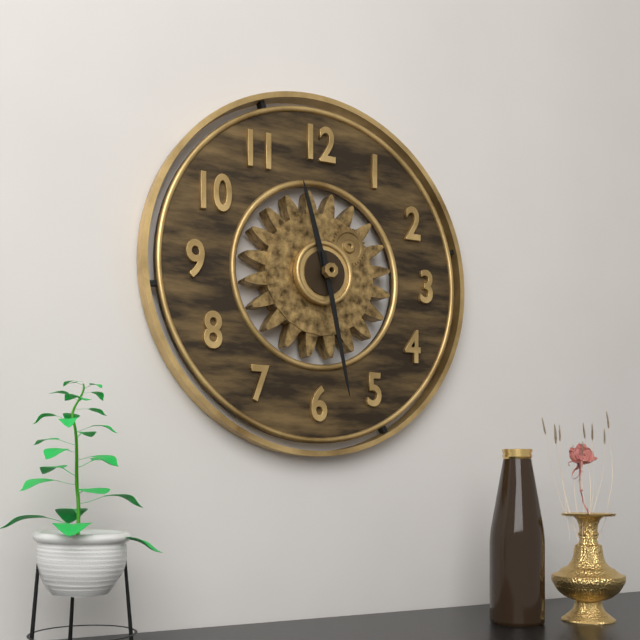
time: 11.28
